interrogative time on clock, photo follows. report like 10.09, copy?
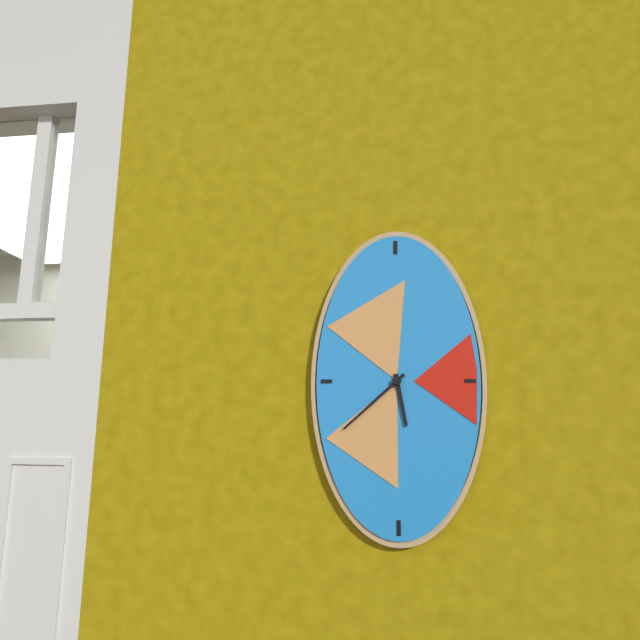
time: 5.38
